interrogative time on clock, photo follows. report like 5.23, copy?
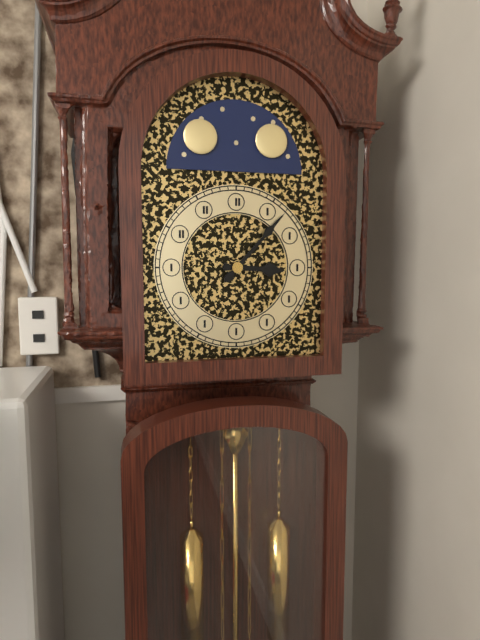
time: 3.07
